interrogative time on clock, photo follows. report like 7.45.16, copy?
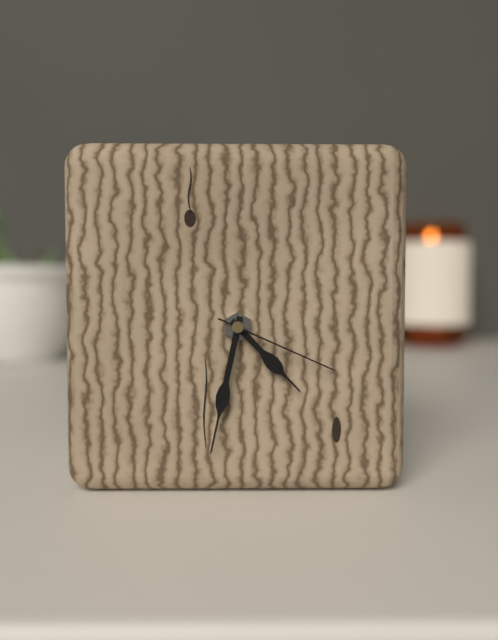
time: 4.32.19
